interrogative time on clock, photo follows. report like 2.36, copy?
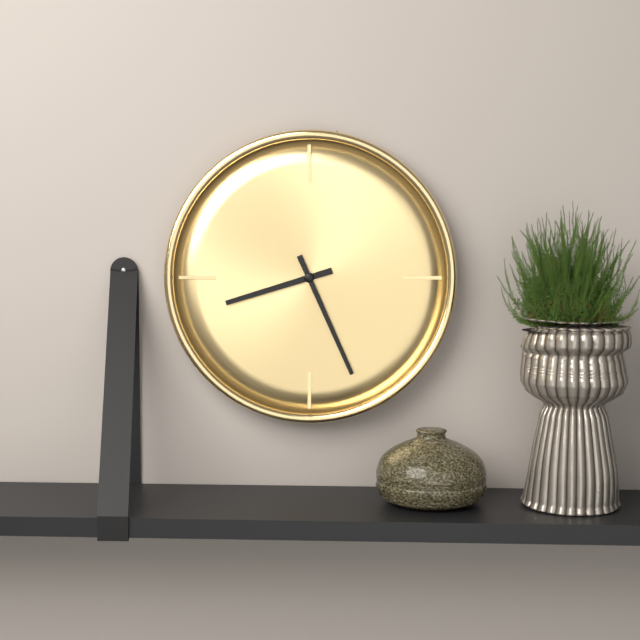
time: 8.26
